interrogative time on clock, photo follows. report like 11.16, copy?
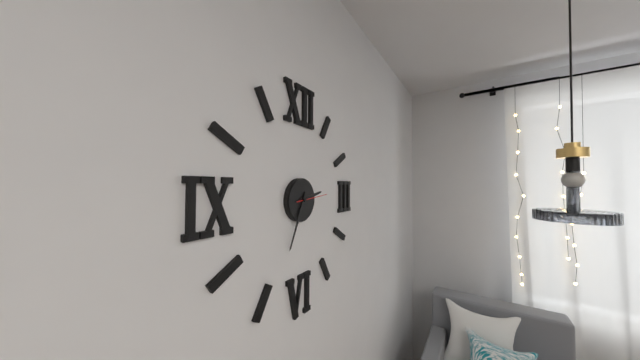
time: 2.34
